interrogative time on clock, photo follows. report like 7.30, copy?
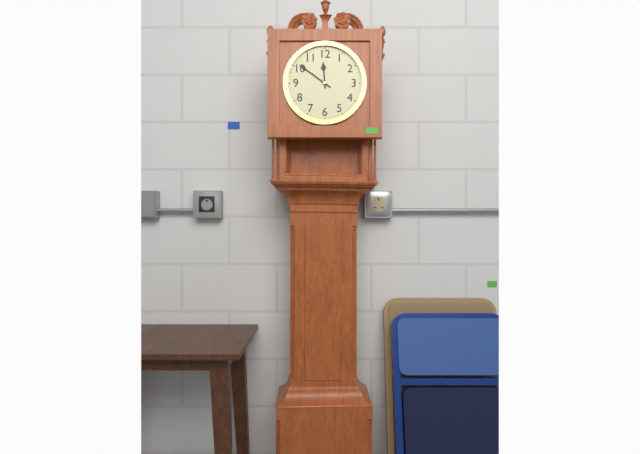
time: 11.51
